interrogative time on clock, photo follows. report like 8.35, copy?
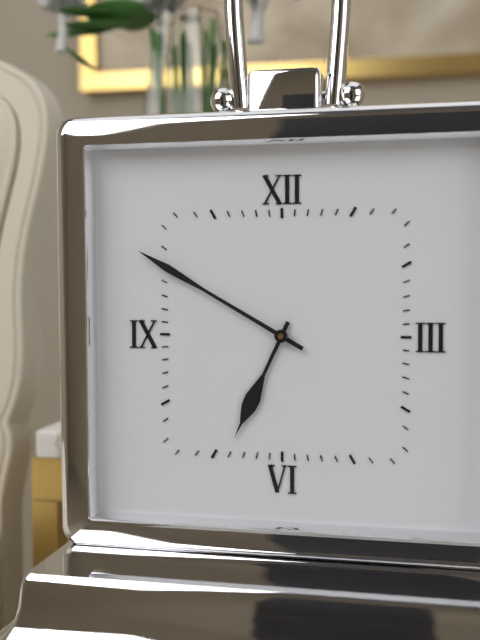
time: 6.50
